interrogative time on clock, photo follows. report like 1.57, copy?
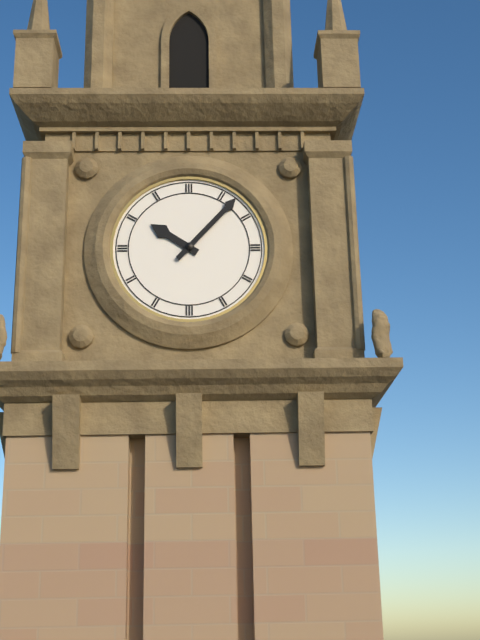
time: 10.07
